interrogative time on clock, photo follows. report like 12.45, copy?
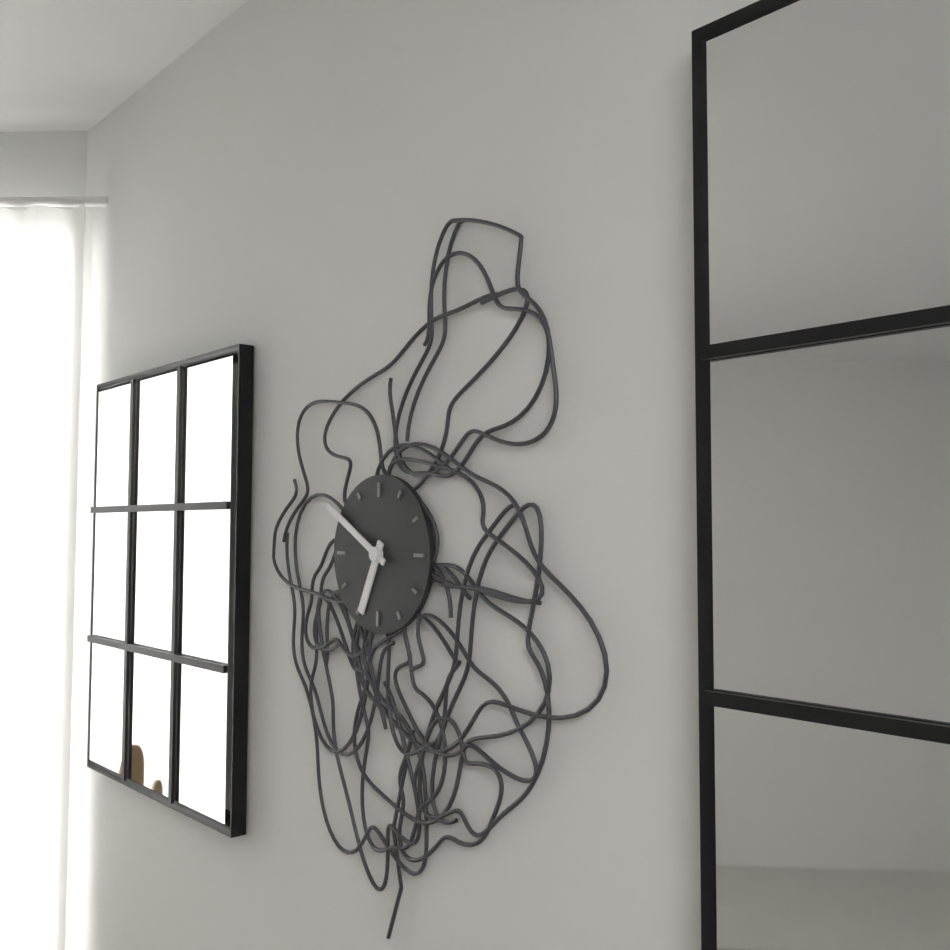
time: 6.50
